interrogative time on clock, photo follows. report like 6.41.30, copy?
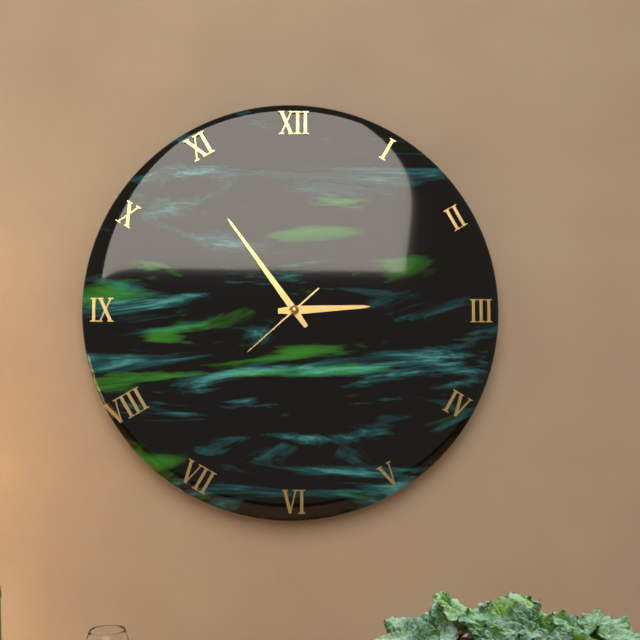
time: 2.54.38
